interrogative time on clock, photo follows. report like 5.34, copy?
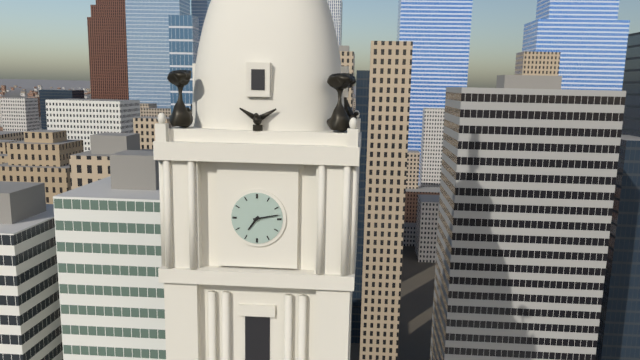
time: 7.13
